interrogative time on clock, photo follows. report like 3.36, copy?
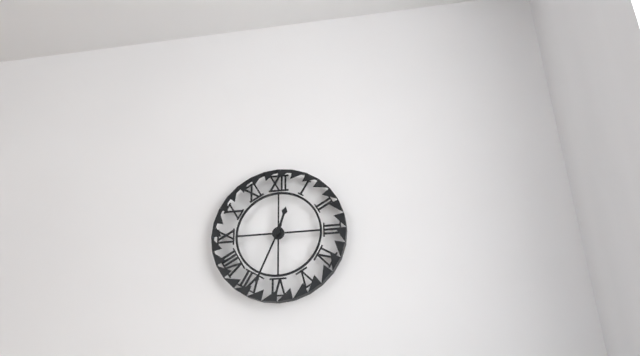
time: 12.34
